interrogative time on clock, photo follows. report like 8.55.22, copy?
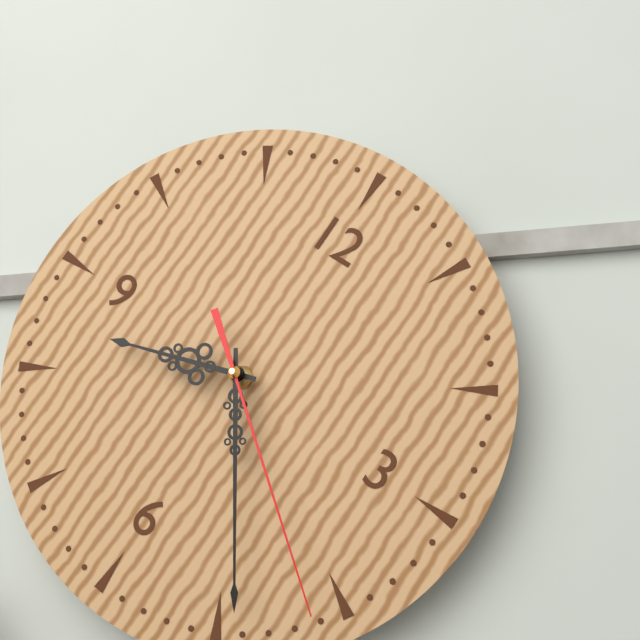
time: 8.24.21
